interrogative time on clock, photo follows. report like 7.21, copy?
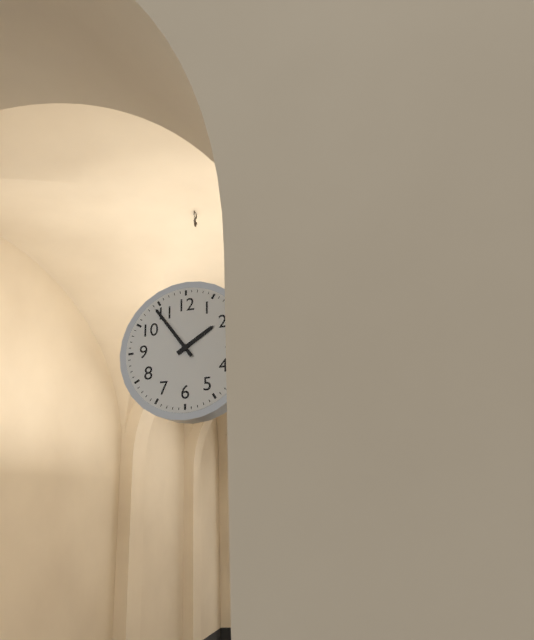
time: 1.54
